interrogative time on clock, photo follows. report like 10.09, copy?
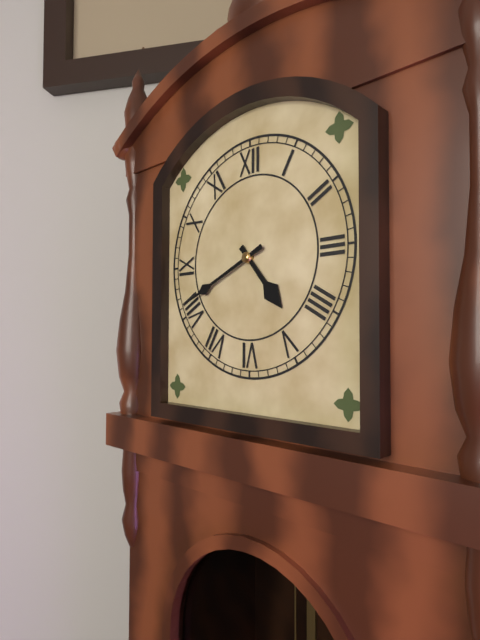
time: 4.41
